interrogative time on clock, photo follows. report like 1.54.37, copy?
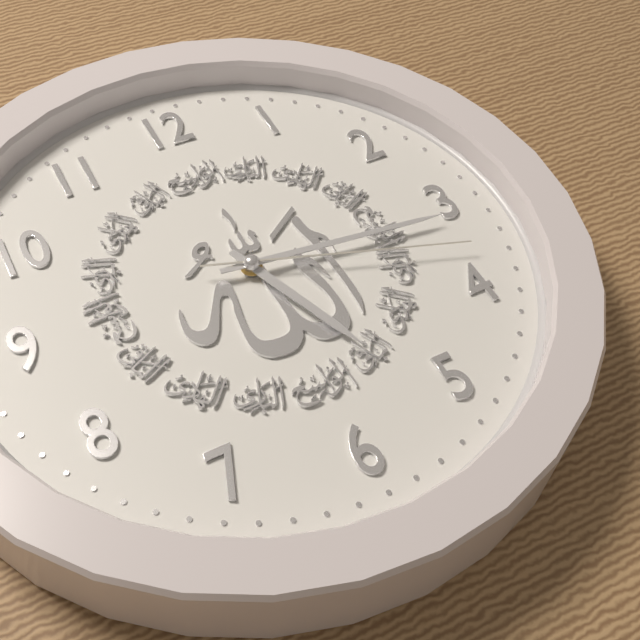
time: 5.16.18
